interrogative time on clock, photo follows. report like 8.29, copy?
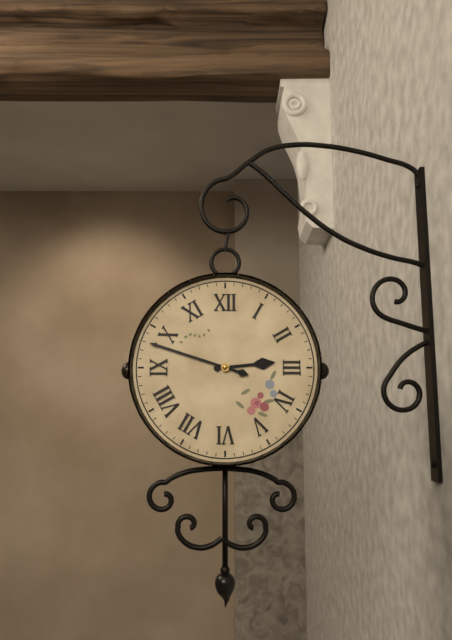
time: 2.48
